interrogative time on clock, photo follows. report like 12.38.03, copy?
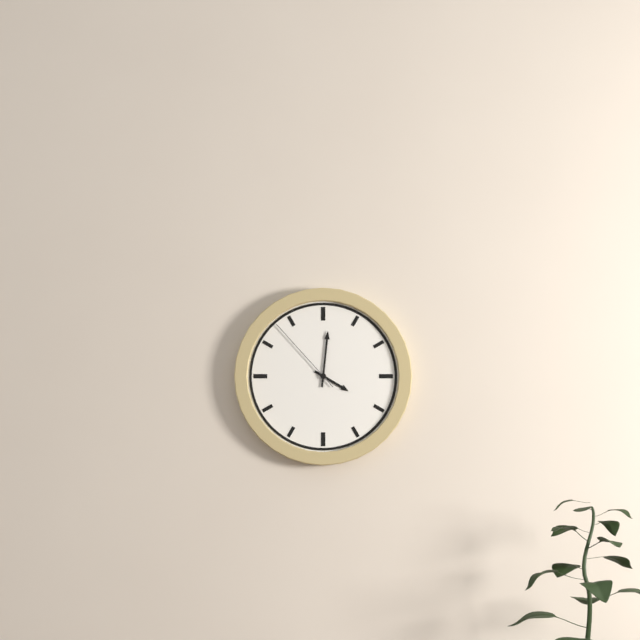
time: 4.01.53
